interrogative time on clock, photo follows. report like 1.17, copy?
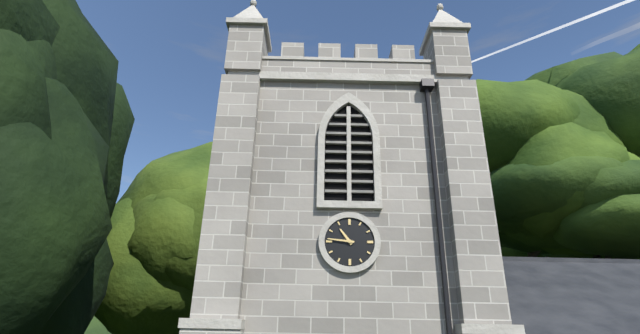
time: 10.46
